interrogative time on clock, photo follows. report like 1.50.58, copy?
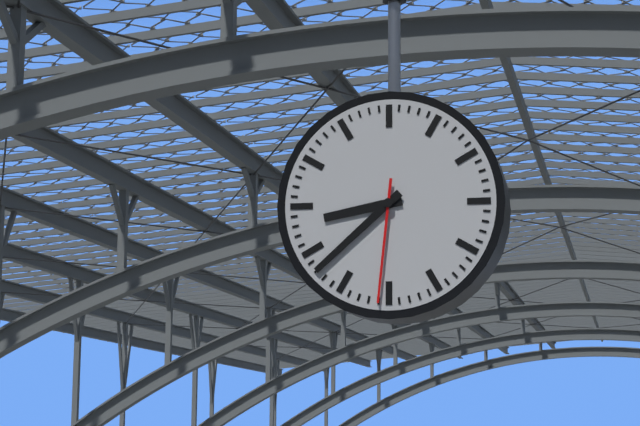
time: 8.38.31
